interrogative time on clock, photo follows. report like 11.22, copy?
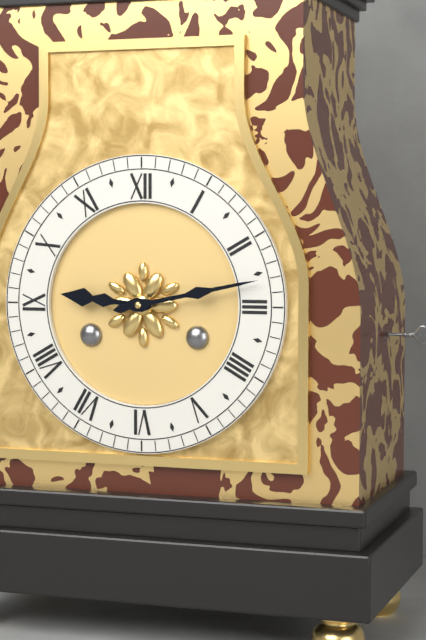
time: 9.13
